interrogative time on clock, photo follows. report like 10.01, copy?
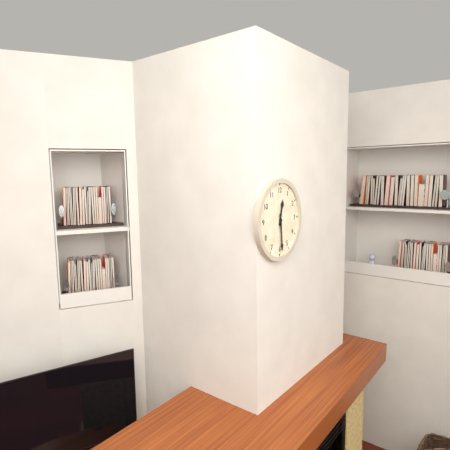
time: 12.29
